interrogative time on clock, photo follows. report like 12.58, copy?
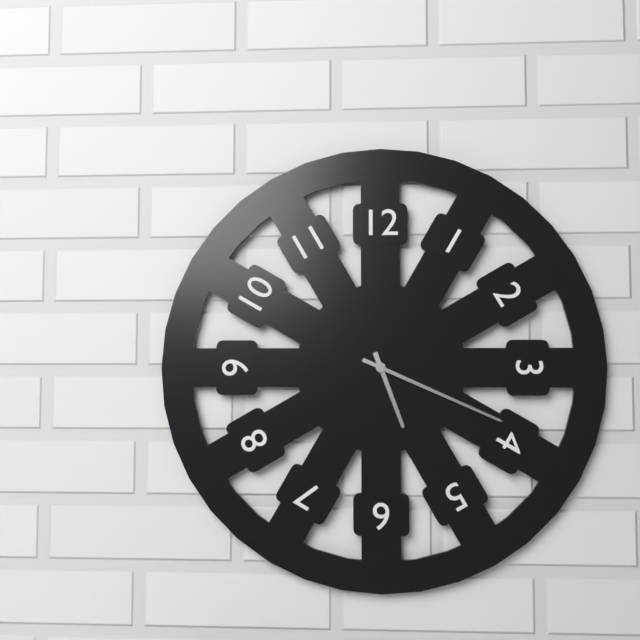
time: 5.19
